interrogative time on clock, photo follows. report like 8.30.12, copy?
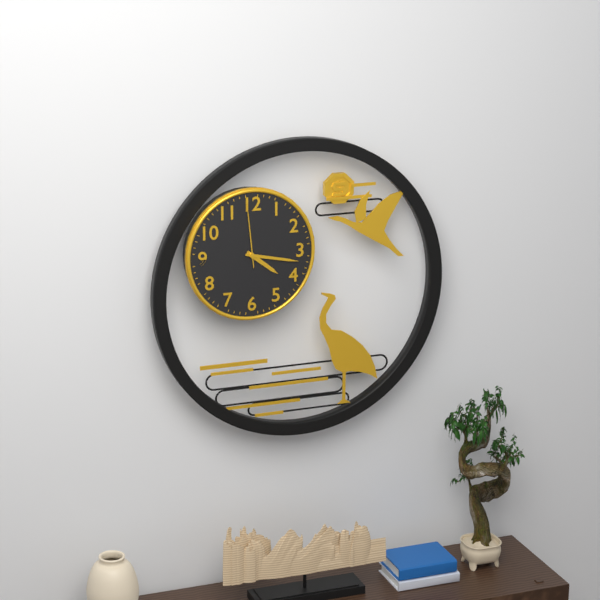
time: 4.17.59
